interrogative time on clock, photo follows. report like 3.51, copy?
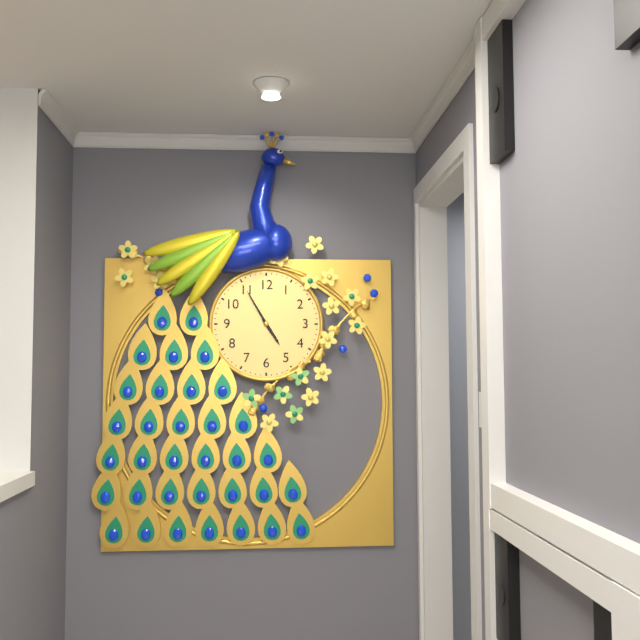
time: 4.55
